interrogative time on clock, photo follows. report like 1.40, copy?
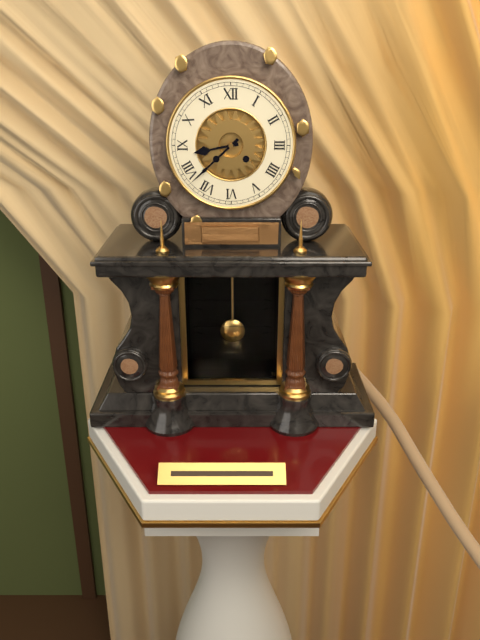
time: 8.38
